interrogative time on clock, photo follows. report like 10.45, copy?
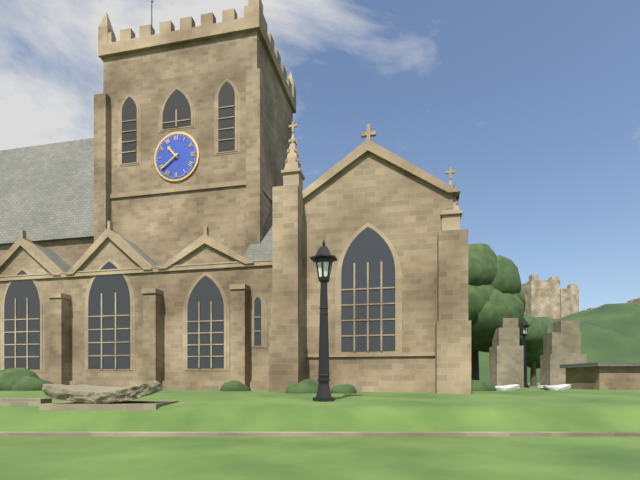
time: 10.39
